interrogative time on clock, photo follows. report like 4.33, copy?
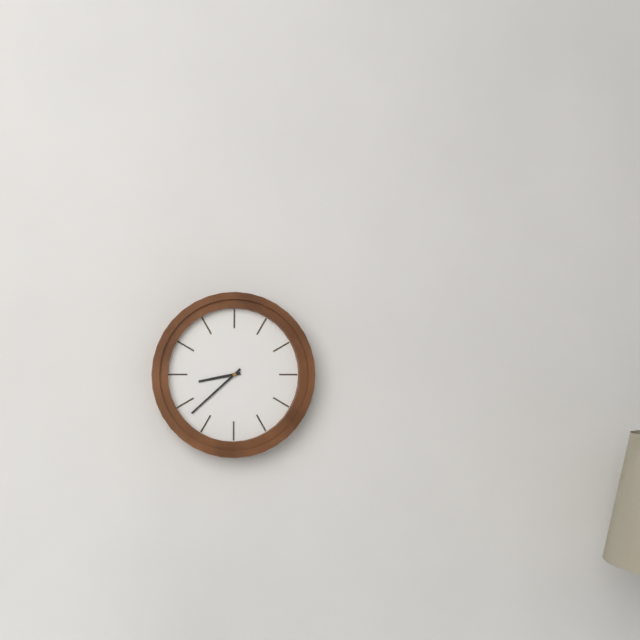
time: 8.38
